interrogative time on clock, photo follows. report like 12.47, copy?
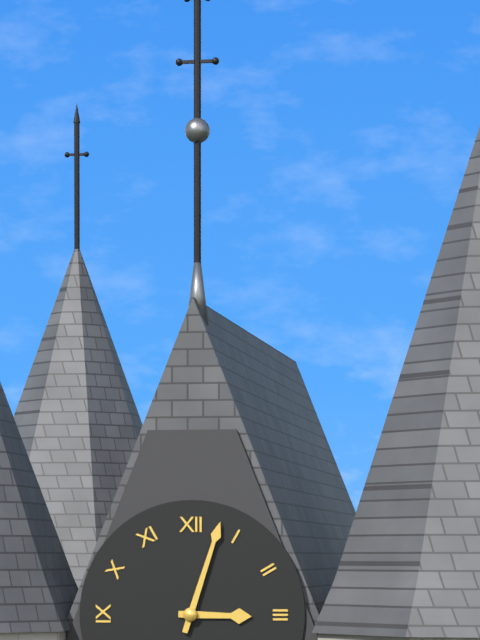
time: 3.03
